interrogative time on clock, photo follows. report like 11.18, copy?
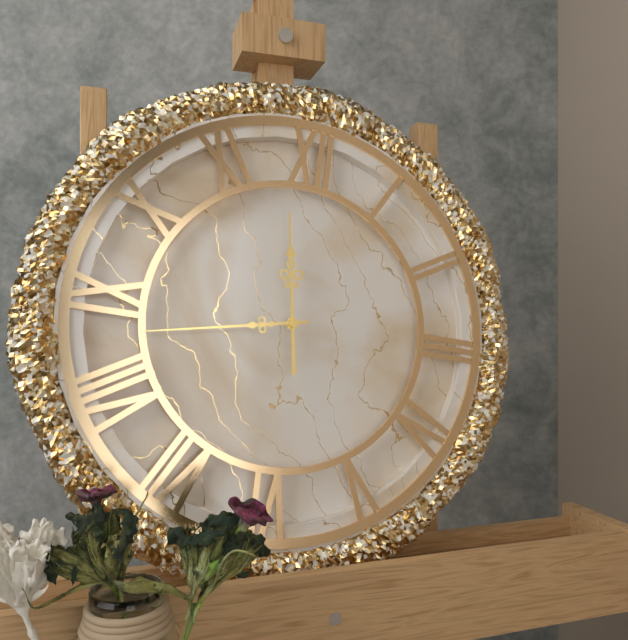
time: 11.43
